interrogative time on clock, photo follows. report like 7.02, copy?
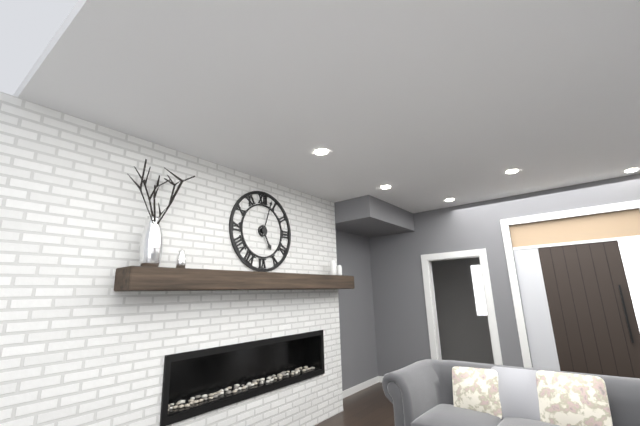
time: 5.03
